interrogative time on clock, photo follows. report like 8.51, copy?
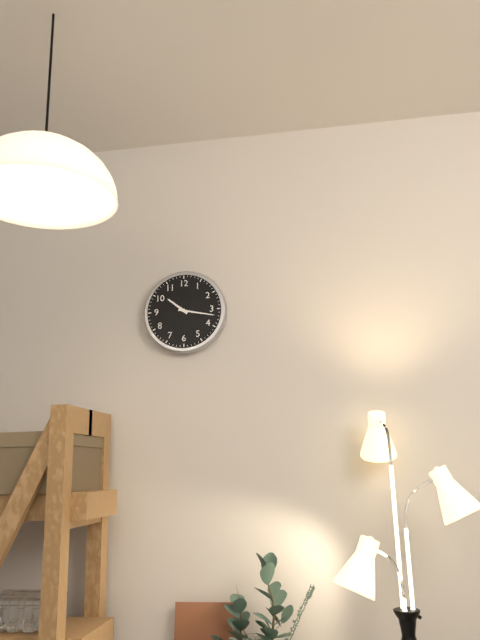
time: 10.17
